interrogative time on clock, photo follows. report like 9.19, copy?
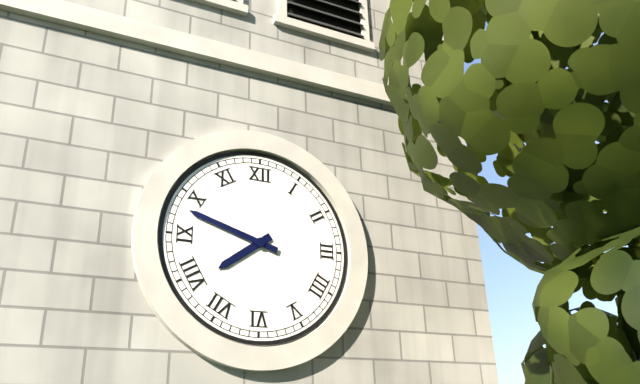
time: 7.48
